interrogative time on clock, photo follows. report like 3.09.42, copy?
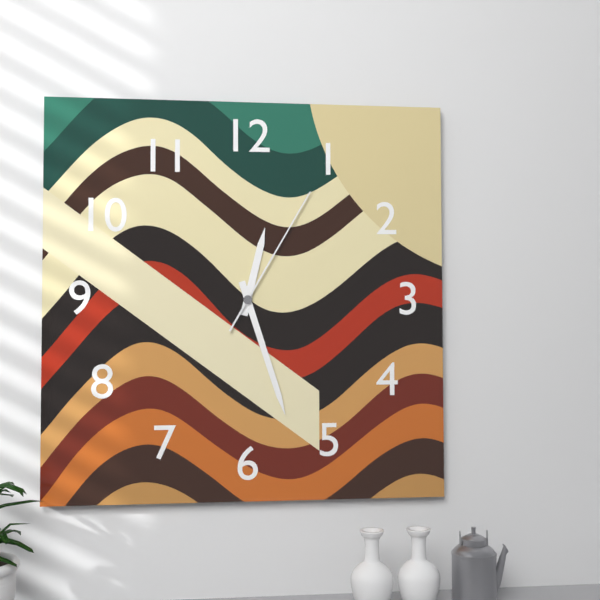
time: 12.27.05
